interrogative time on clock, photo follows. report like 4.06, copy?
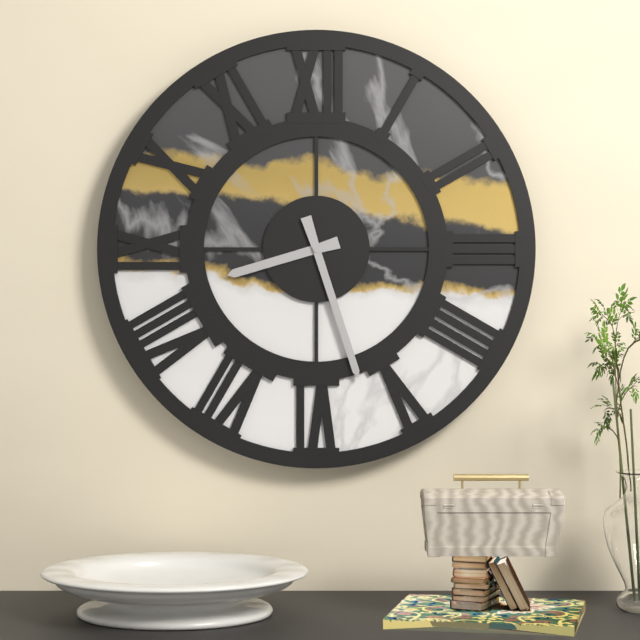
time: 8.27
